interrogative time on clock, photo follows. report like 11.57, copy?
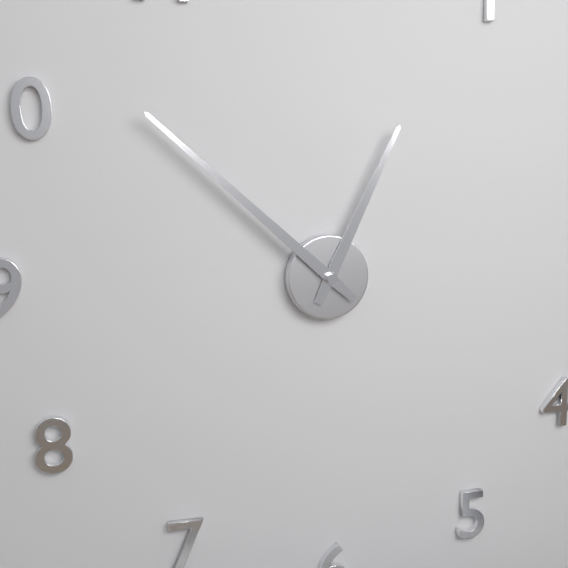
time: 12.52
